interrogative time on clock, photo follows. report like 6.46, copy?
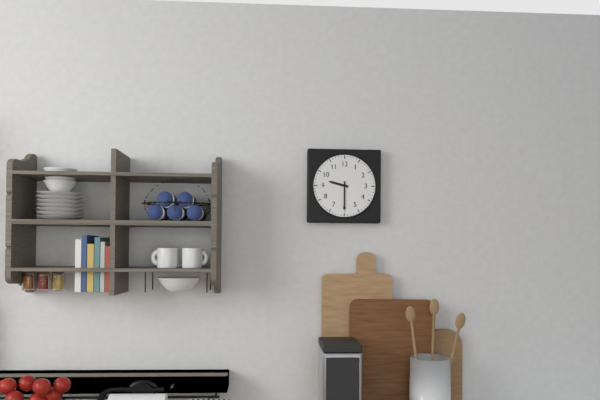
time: 9.30
